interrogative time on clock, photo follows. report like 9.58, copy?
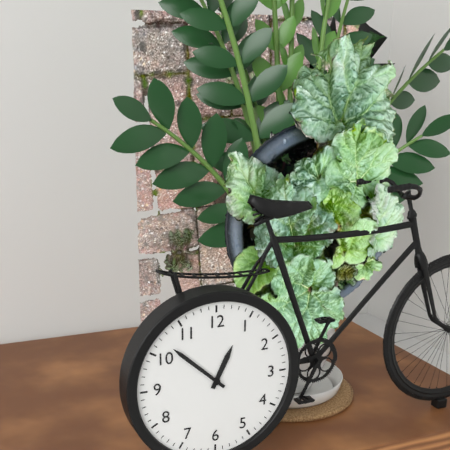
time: 12.52
